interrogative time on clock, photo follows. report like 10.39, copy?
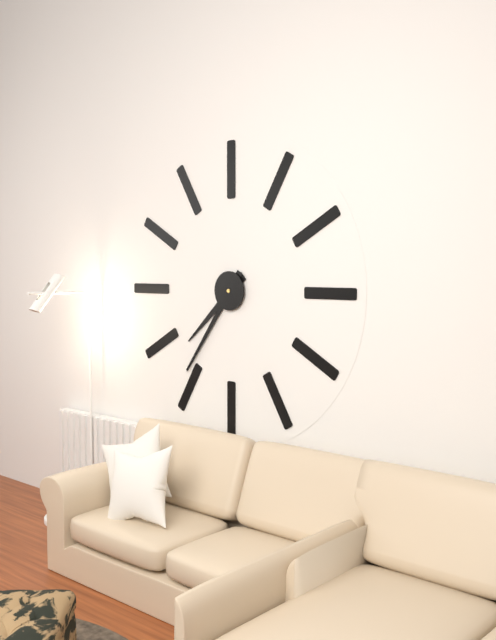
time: 7.36
